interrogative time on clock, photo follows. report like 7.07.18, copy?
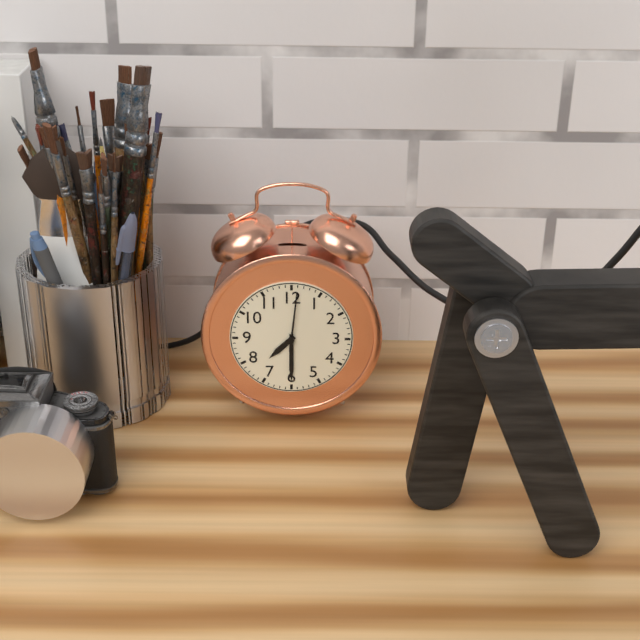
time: 7.30.01
